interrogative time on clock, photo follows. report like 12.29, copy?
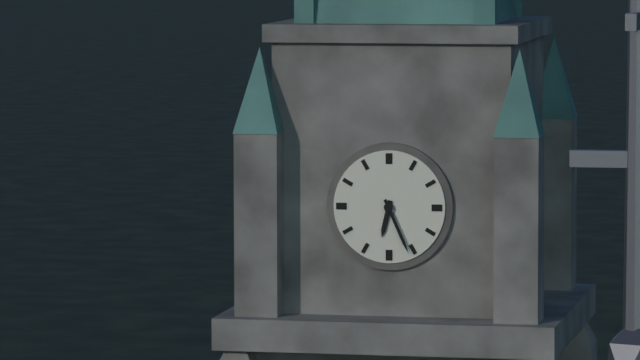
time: 6.26
